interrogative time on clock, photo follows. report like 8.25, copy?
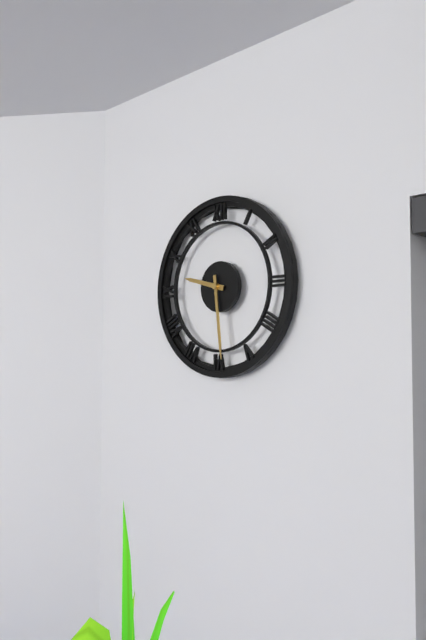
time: 9.29
